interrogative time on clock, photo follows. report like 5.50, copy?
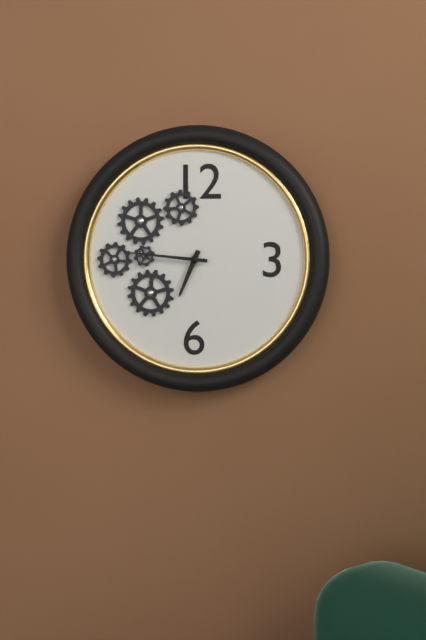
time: 6.46
